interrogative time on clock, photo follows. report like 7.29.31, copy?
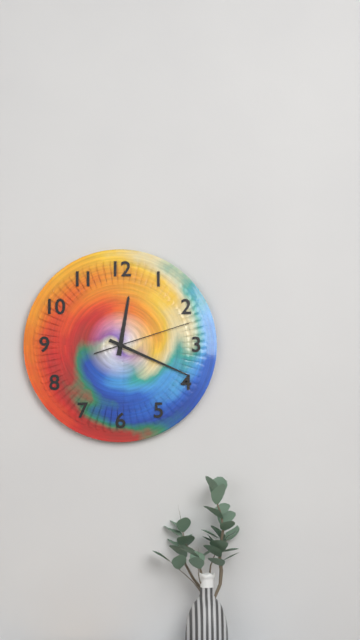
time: 12.19.12
